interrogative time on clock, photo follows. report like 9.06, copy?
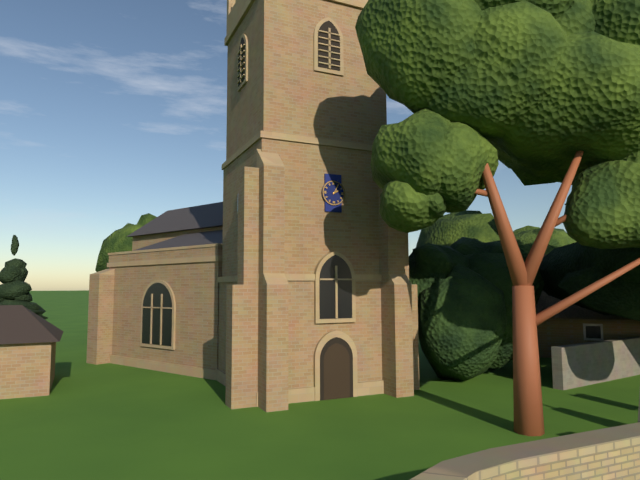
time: 2.05
